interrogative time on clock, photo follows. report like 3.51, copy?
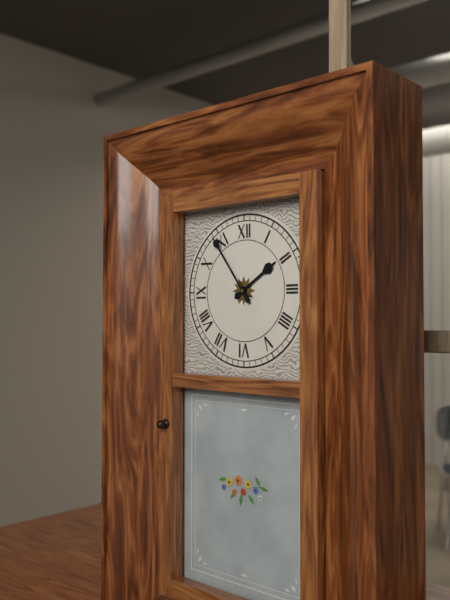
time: 1.54
